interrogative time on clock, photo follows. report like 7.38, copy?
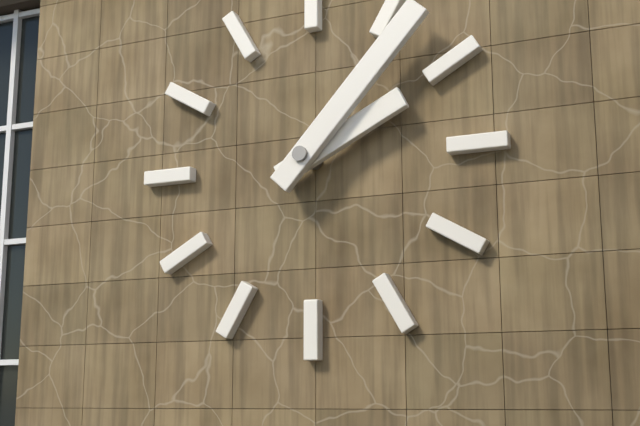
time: 2.07
